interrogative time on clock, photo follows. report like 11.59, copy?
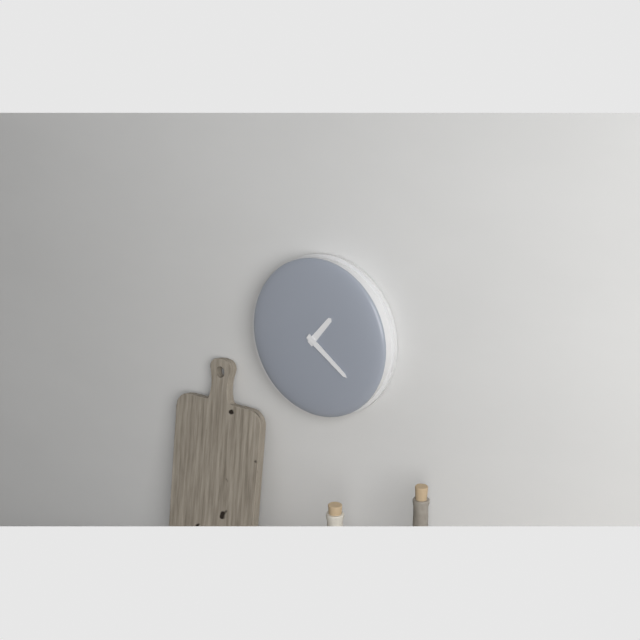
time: 1.21
